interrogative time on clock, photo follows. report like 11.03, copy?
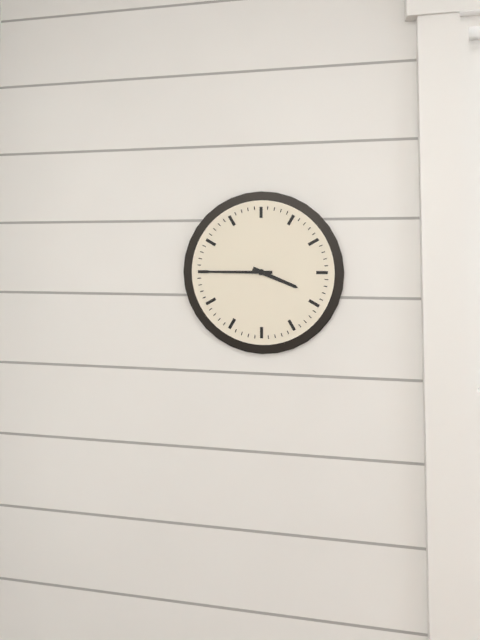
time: 3.45
